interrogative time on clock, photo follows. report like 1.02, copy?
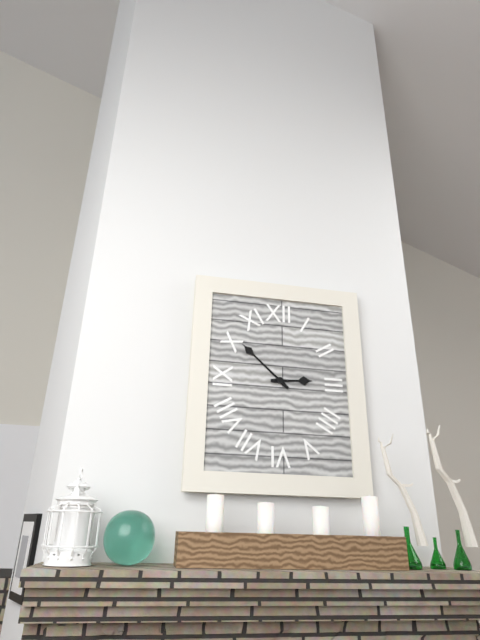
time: 2.52
